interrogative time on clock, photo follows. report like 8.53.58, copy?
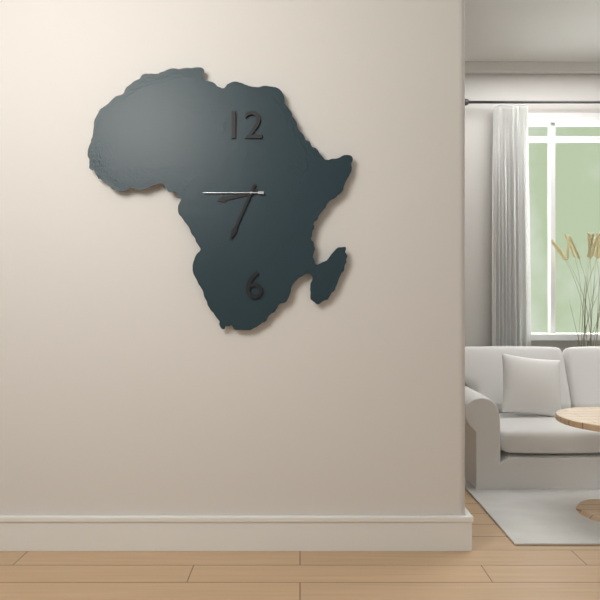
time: 8.34.45
